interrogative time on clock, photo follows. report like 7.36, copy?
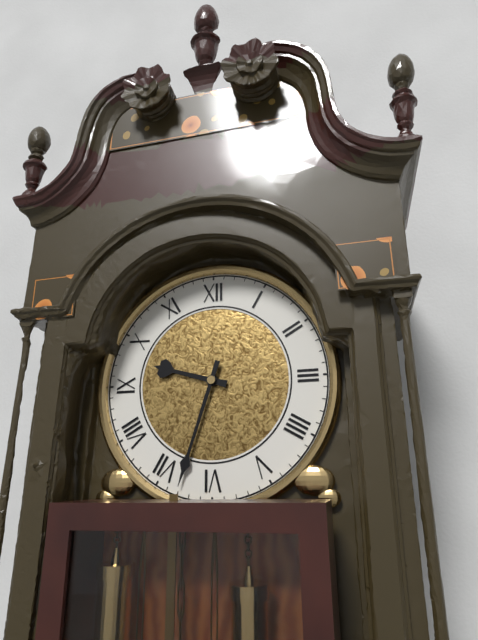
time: 9.33
